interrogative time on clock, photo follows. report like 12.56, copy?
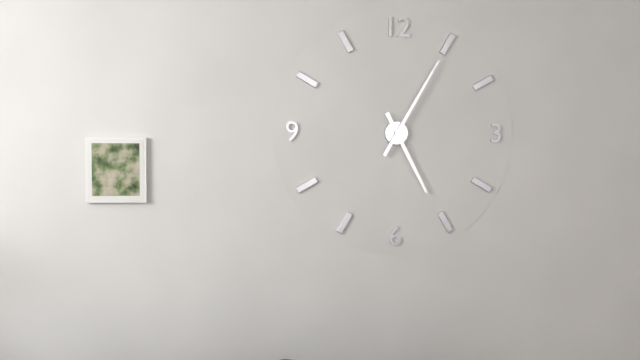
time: 5.05
